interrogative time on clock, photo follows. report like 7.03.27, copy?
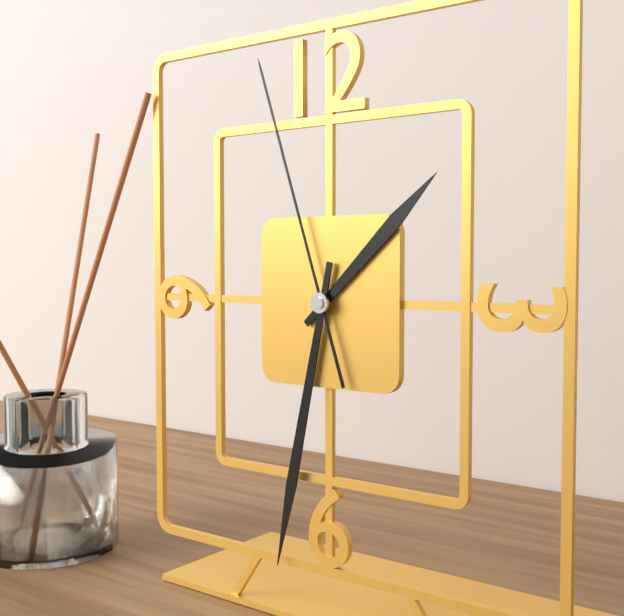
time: 1.32.57
